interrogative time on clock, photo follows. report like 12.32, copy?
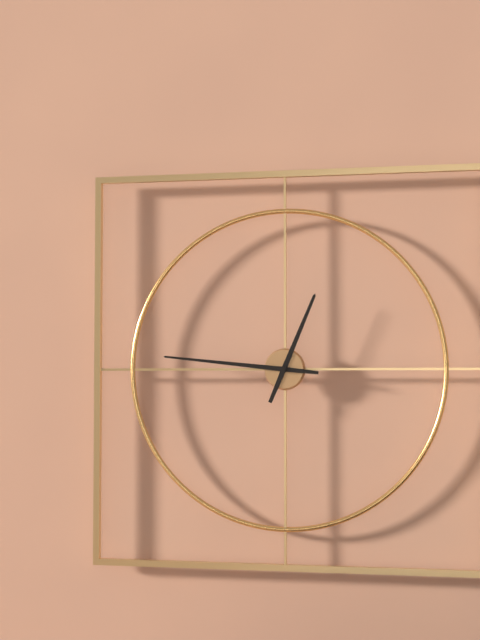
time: 12.46
